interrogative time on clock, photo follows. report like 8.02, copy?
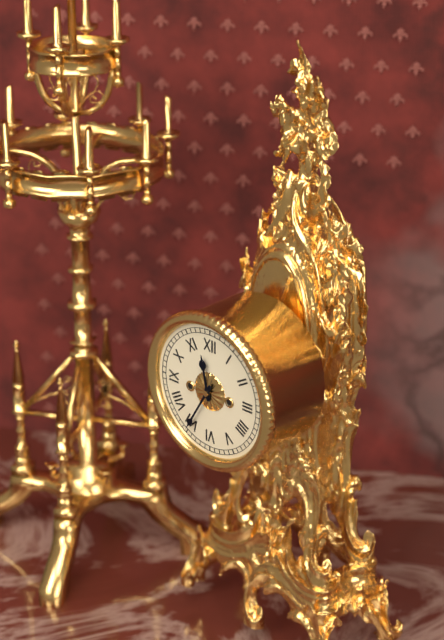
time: 11.35
